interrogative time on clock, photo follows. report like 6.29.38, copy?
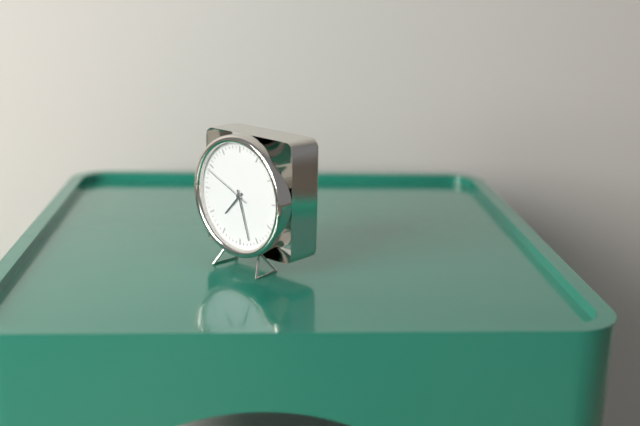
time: 7.27.49
